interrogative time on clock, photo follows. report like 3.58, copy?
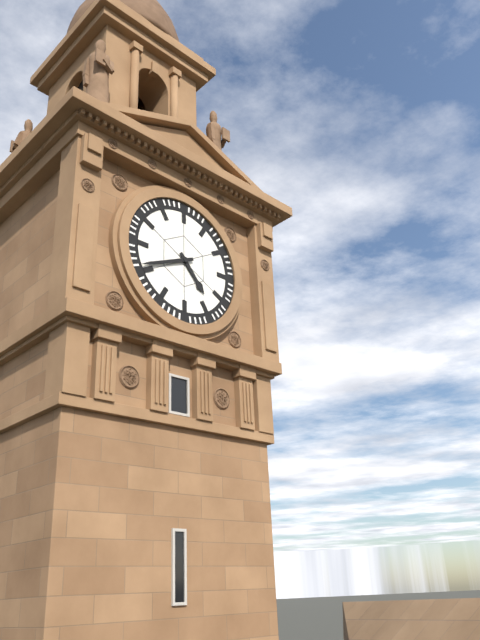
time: 4.41
